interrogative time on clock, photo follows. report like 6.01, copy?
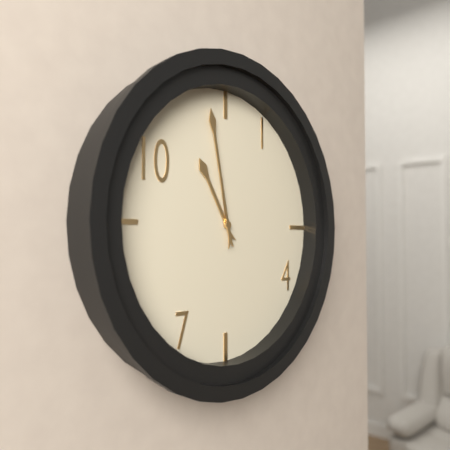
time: 10.58
